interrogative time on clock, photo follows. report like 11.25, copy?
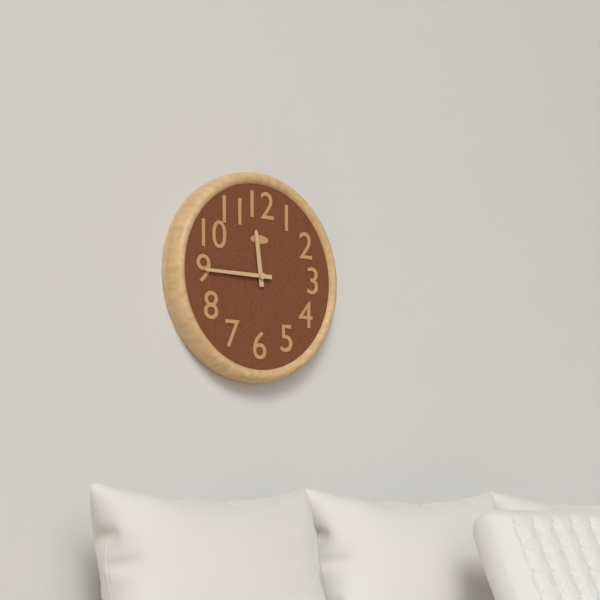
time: 11.45
